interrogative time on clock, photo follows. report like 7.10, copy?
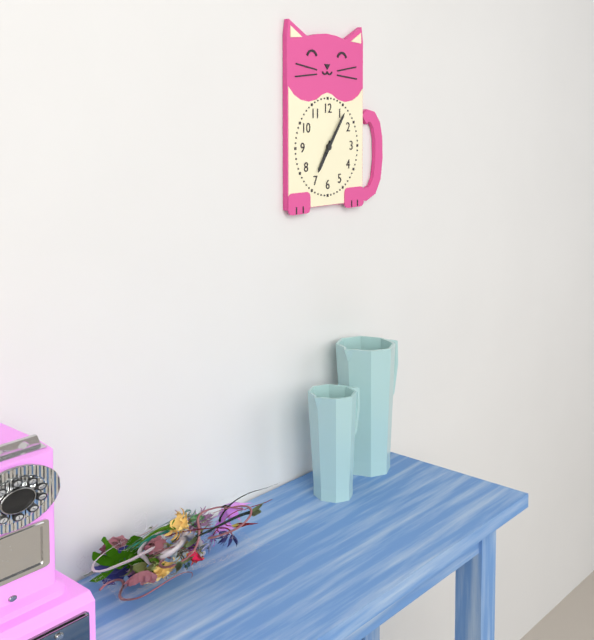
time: 7.06
